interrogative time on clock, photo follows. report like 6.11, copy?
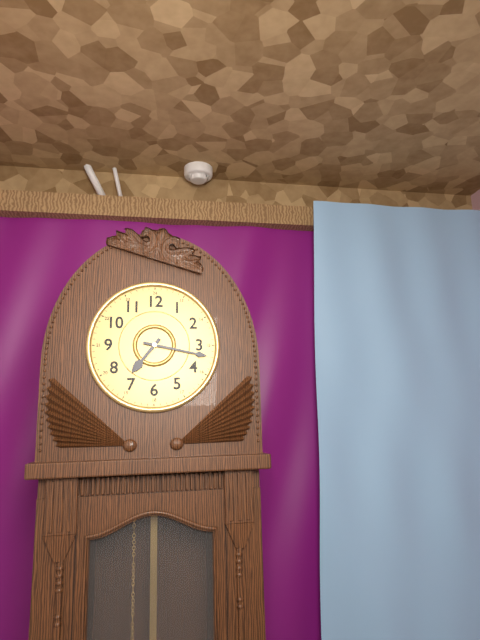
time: 7.17
